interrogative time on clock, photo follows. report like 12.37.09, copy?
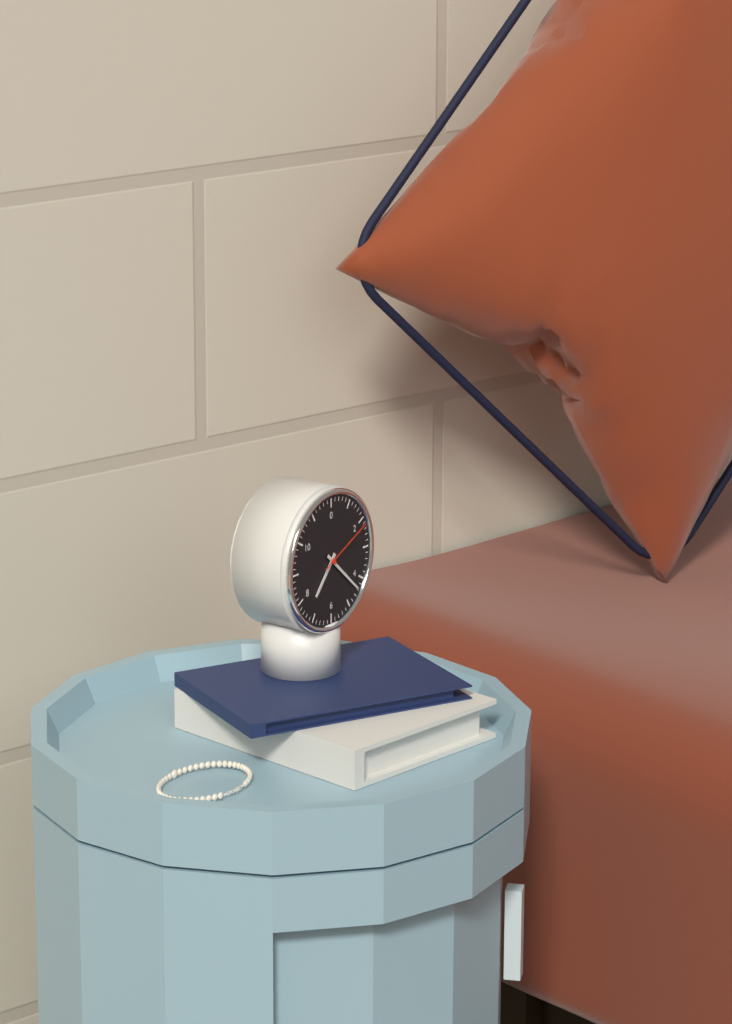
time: 7.22.11
